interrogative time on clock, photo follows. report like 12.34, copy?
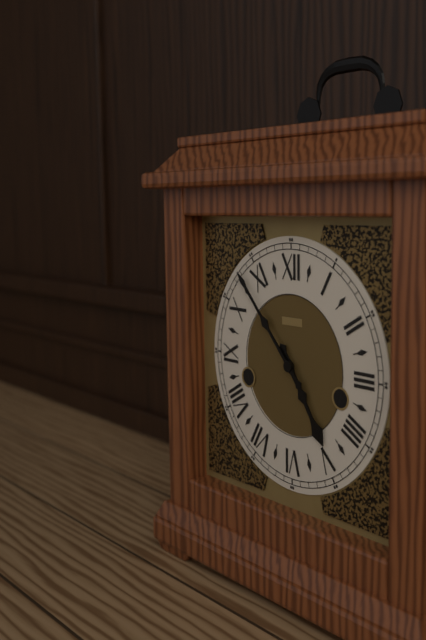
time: 4.53
